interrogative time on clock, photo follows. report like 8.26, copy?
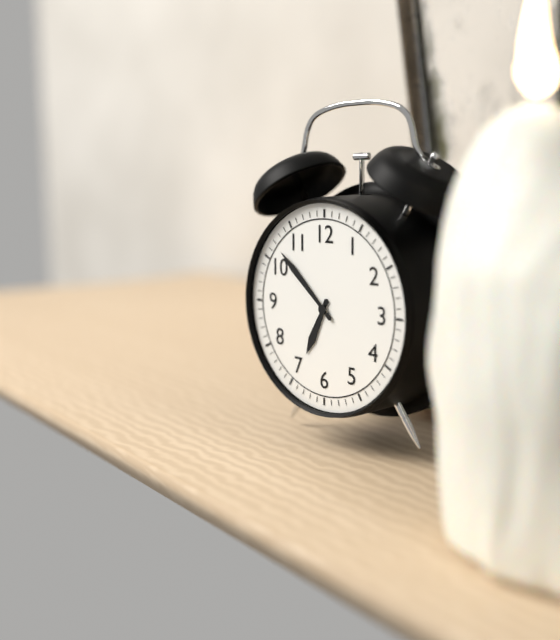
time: 6.52
